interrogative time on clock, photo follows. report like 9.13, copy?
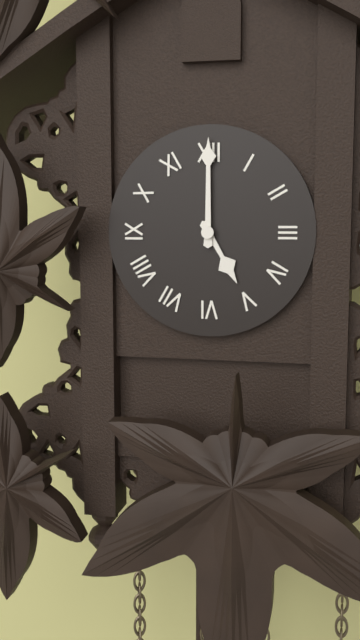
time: 5.00
